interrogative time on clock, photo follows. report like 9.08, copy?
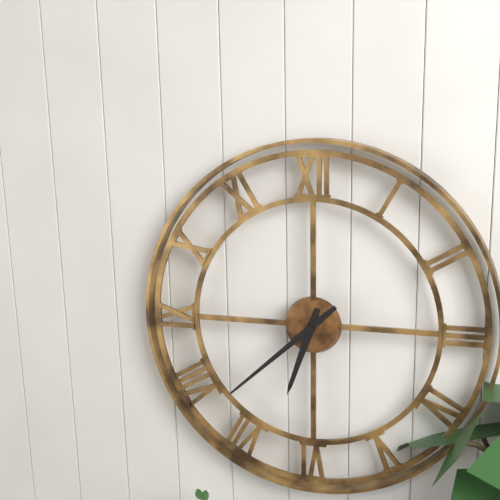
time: 6.38
